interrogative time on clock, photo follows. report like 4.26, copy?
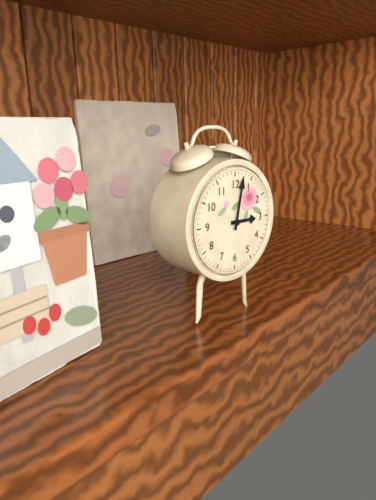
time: 3.02
